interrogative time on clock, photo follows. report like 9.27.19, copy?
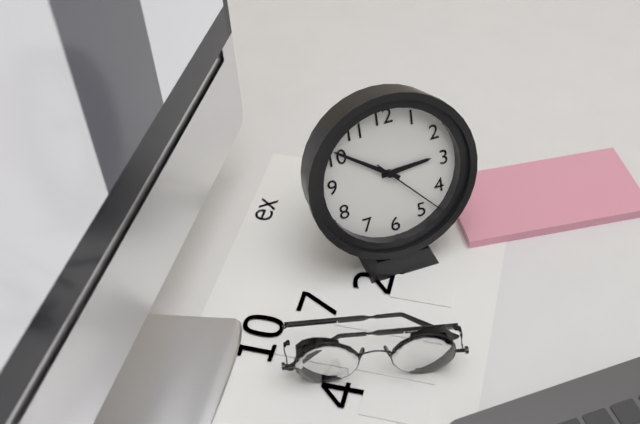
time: 2.51.23
